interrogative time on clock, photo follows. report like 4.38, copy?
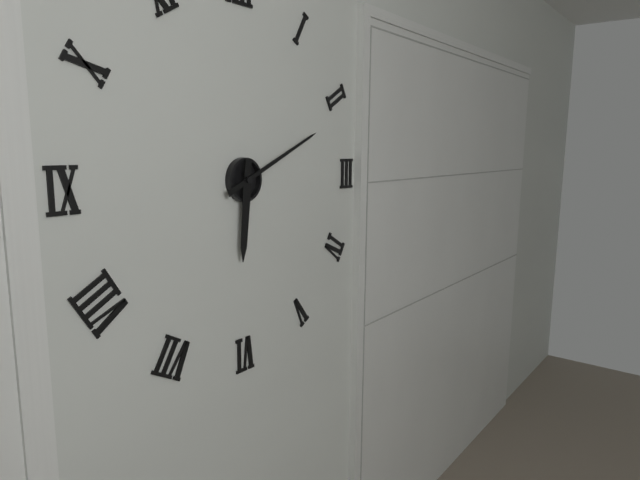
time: 6.11
